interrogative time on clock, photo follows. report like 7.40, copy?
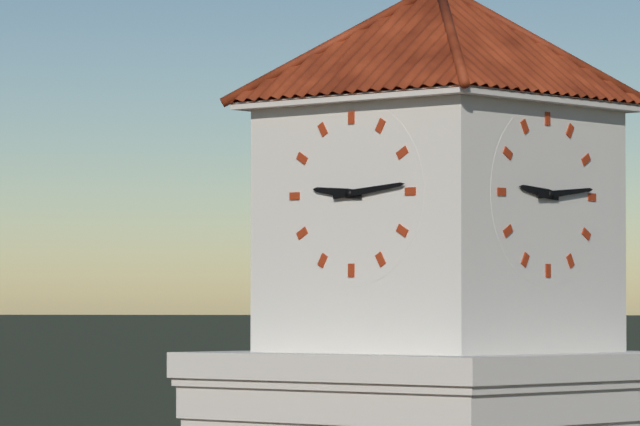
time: 9.14
